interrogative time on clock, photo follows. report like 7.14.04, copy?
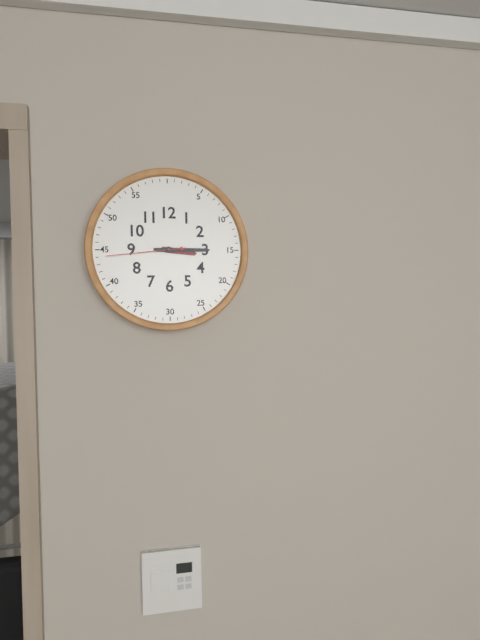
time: 3.15.44
